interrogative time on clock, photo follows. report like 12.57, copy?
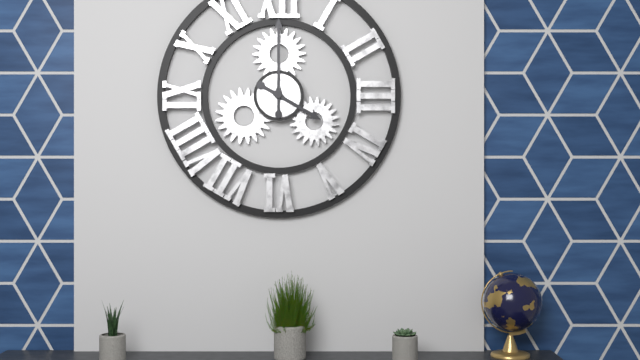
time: 4.00
